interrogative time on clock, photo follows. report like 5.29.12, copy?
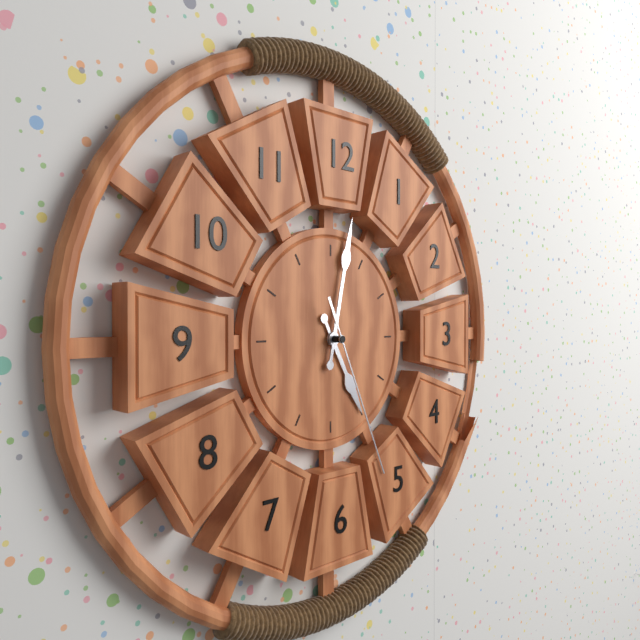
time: 5.02.26
